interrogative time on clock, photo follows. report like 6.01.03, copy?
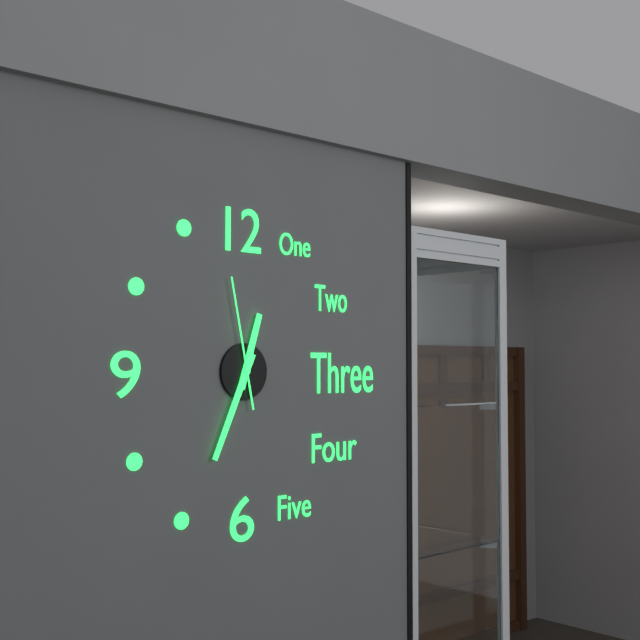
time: 12.34.58
